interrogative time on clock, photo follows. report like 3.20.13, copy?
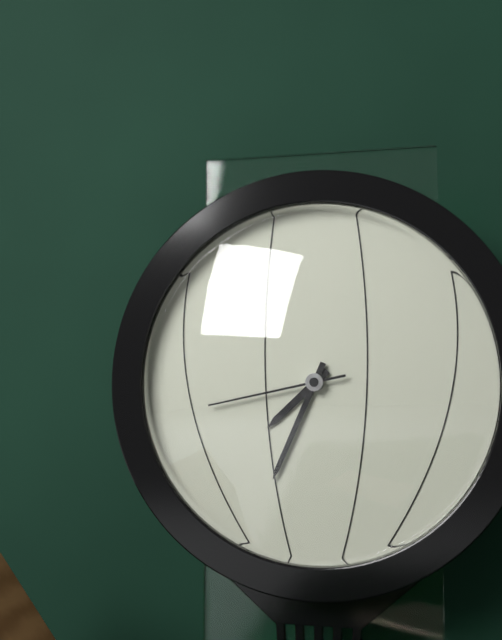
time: 7.34.43
